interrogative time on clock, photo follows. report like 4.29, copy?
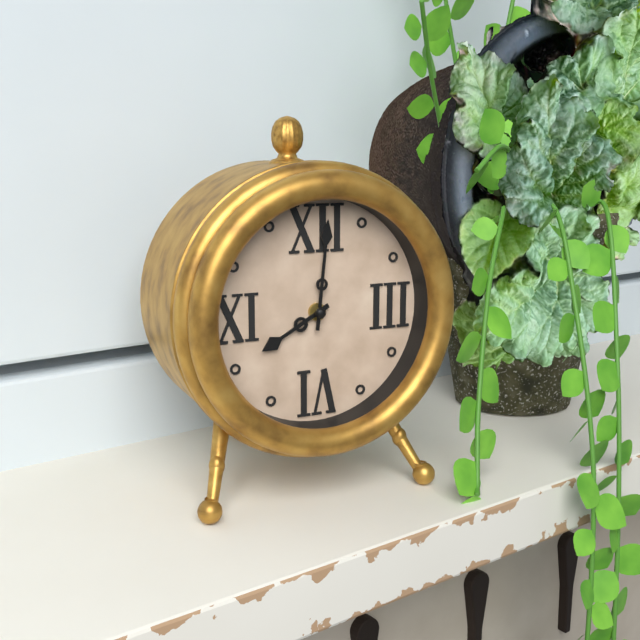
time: 8.01
